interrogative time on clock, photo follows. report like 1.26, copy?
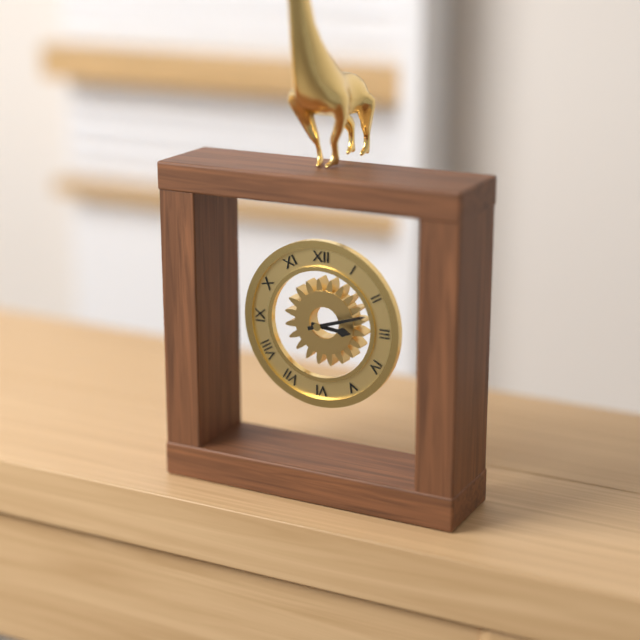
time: 3.12
